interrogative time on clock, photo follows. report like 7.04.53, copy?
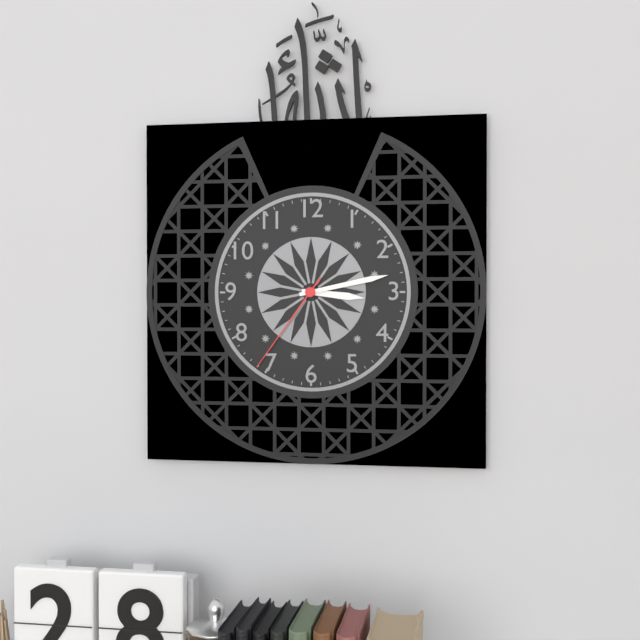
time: 3.13.36
